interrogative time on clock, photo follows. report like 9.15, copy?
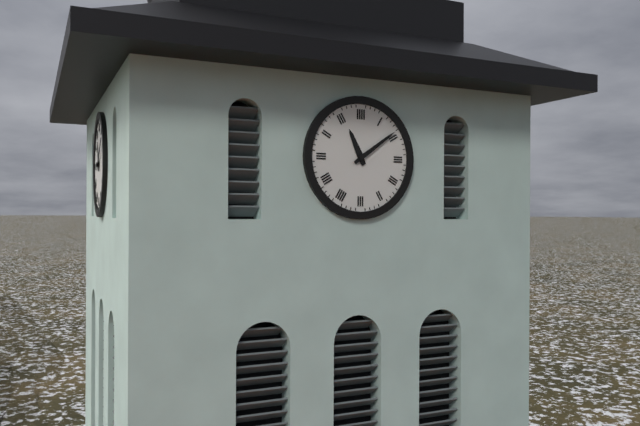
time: 11.09
